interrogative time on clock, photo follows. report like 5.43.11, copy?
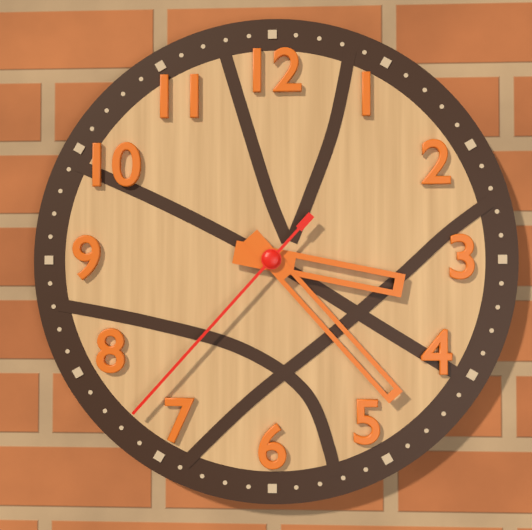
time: 3.23.37
